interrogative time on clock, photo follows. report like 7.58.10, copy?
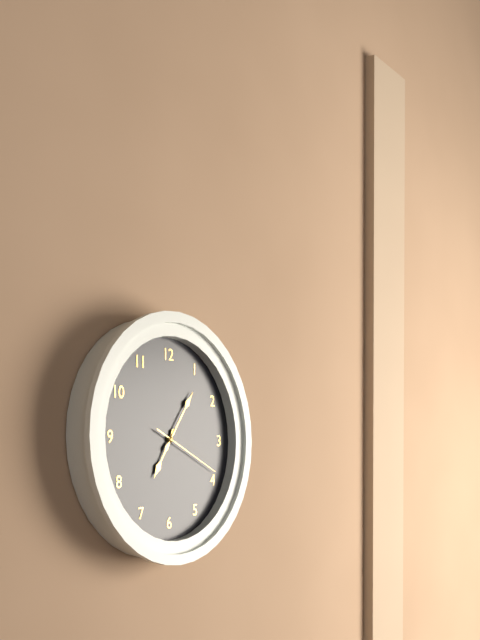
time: 7.06.19
